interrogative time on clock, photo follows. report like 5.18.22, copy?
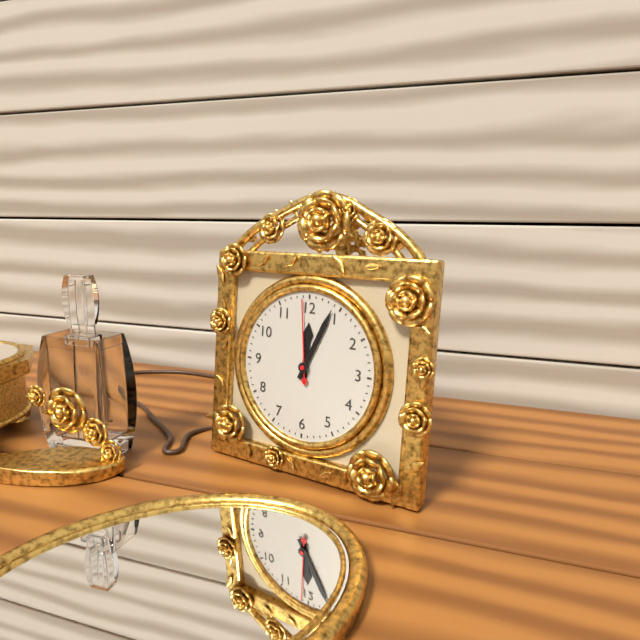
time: 12.04.59
